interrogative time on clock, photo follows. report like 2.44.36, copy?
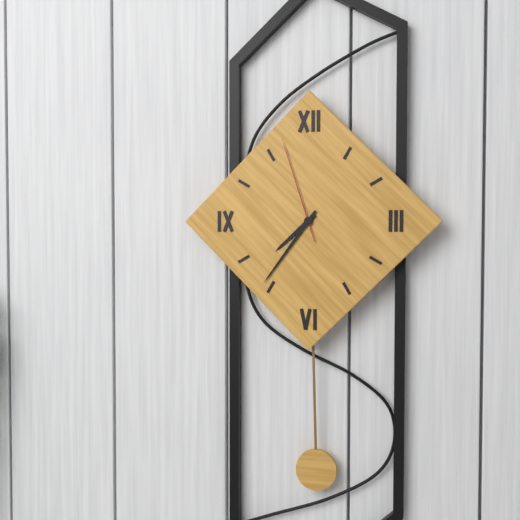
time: 7.36.57
